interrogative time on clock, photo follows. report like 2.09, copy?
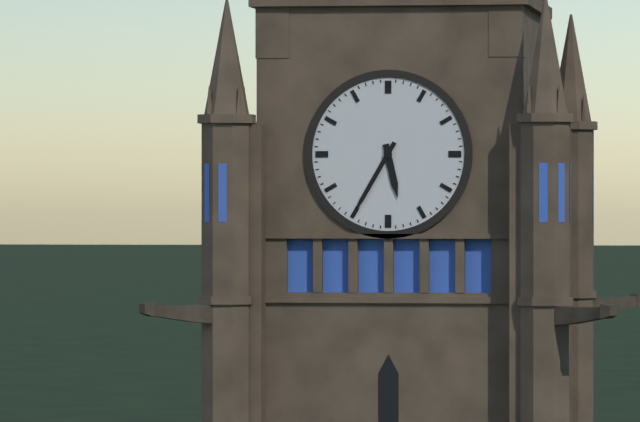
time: 5.35
